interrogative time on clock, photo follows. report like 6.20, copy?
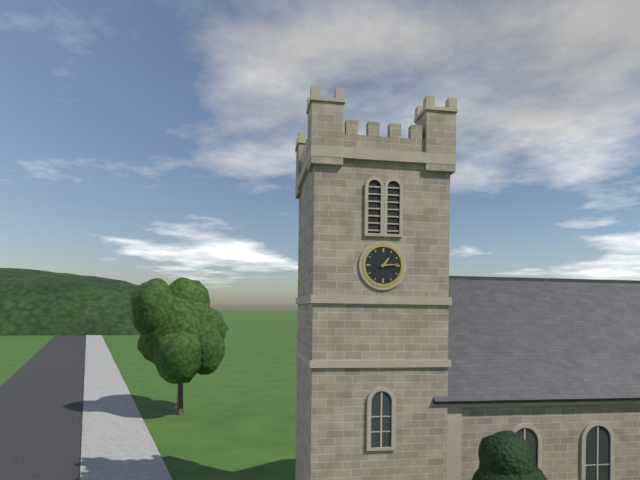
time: 1.14
